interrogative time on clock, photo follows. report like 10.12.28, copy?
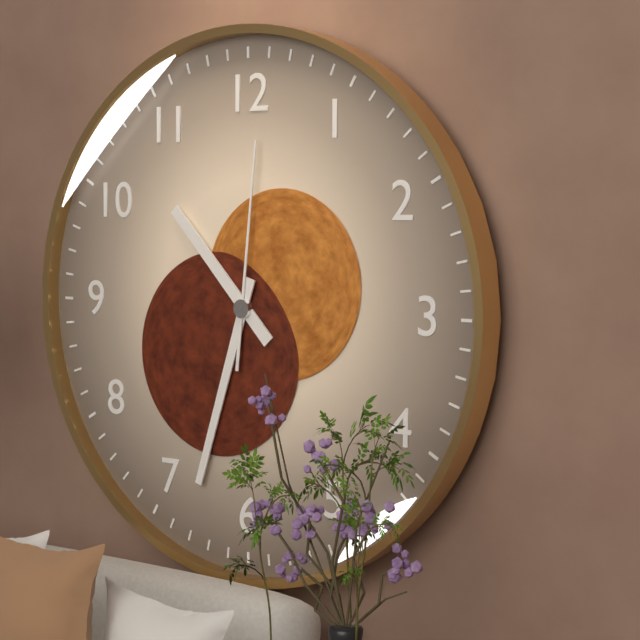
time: 10.33.01
